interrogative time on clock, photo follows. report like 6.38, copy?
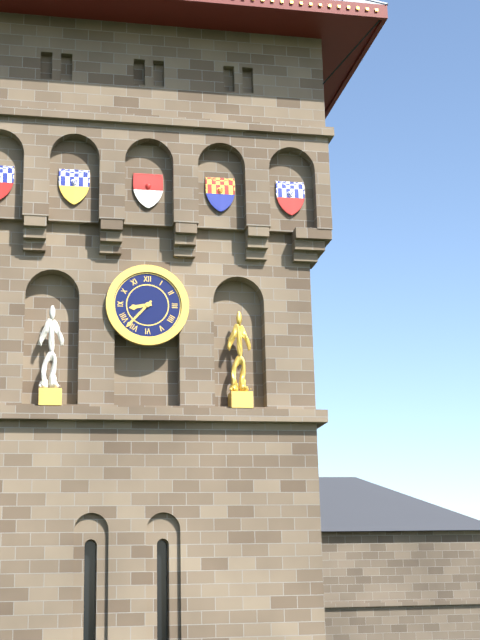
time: 8.37
